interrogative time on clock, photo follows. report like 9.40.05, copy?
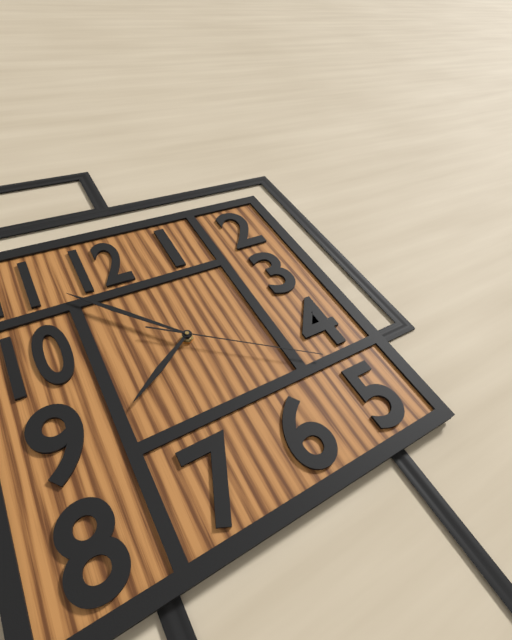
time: 7.53.21
